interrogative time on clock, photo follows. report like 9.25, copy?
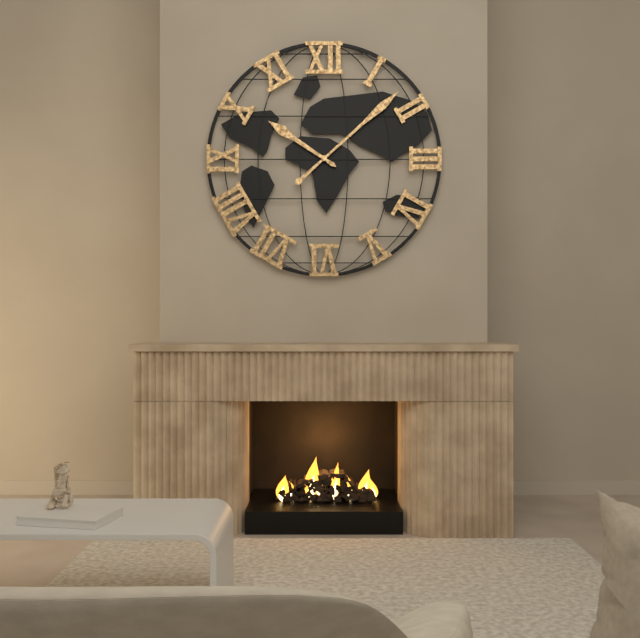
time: 10.08
